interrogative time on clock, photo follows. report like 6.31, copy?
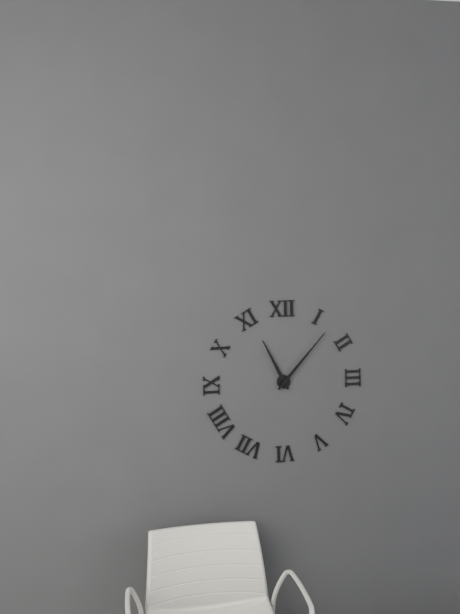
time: 11.07
